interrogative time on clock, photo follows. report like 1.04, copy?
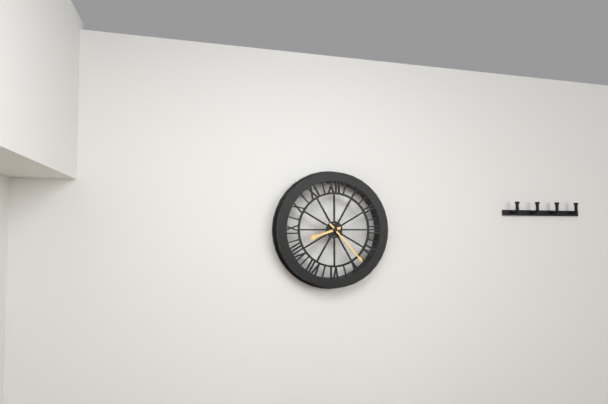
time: 8.23
